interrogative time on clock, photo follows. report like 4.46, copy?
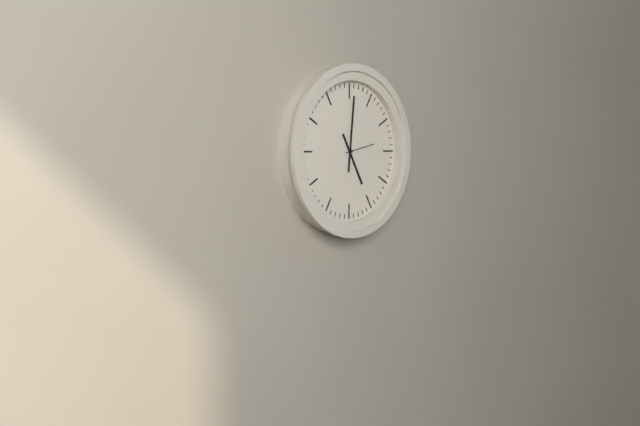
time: 5.01
